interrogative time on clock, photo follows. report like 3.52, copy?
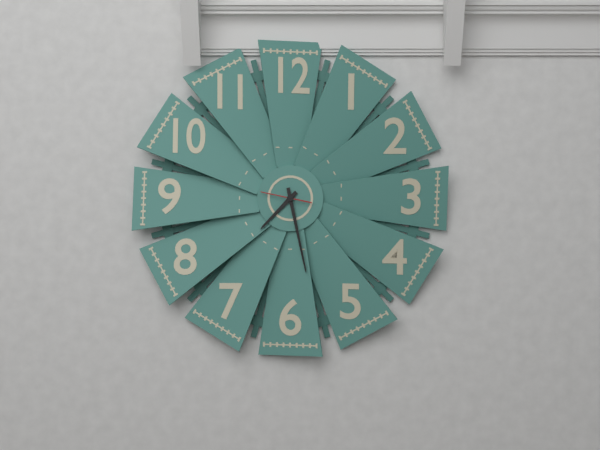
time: 7.28
